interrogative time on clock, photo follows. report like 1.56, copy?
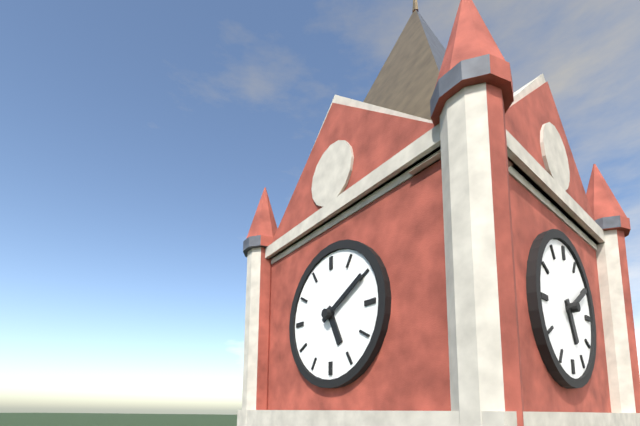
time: 5.10
